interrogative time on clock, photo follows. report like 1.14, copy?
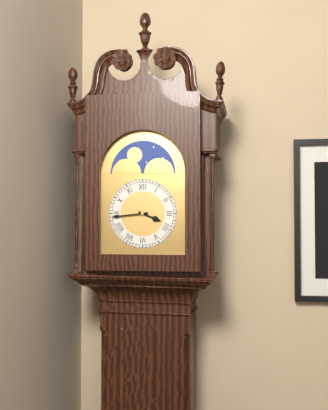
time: 3.44
